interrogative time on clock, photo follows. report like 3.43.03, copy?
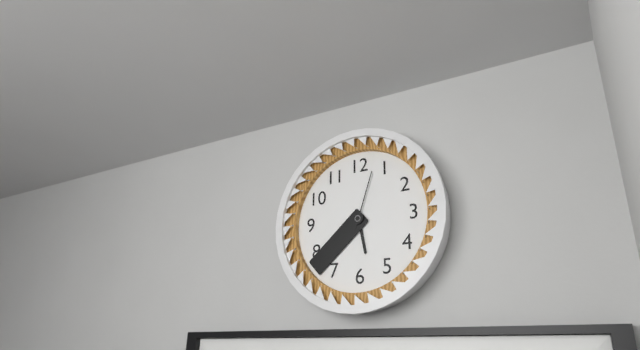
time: 5.38.03
